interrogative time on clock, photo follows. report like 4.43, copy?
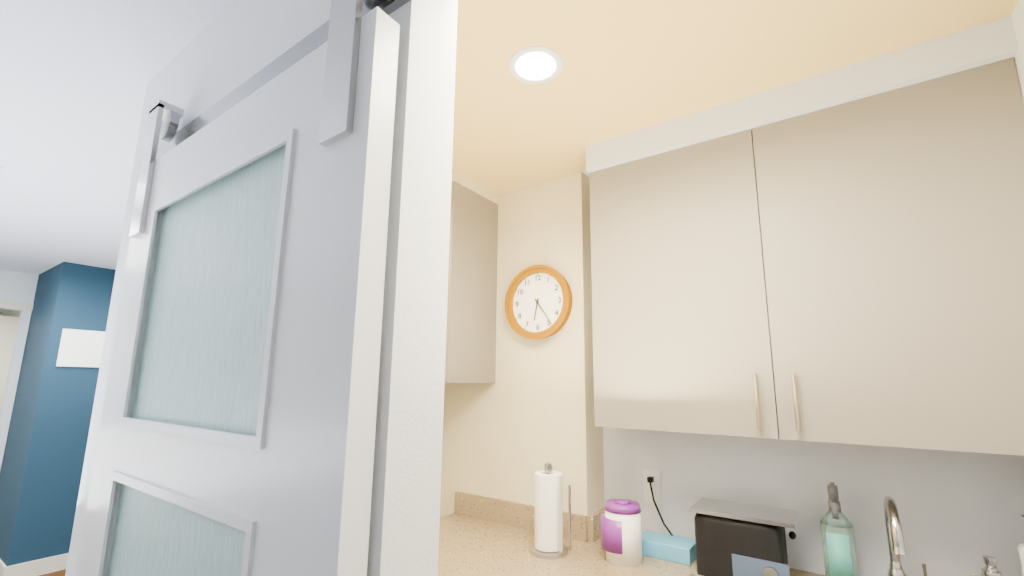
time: 6.24
